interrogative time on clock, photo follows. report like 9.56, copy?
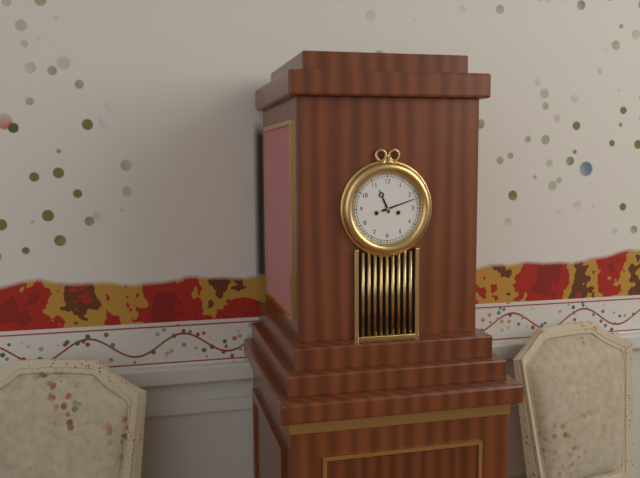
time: 11.12
